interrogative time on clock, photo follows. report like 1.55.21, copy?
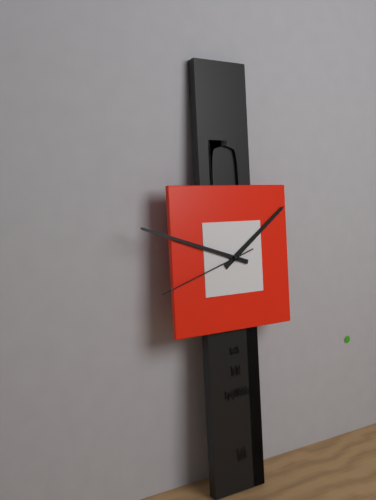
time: 1.48.42
